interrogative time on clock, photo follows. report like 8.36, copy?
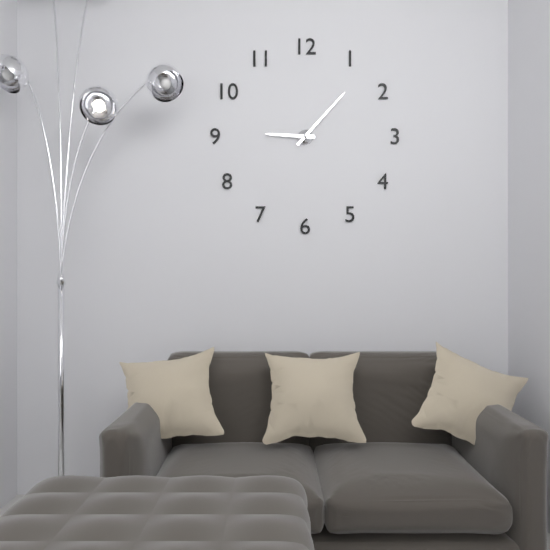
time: 9.07
